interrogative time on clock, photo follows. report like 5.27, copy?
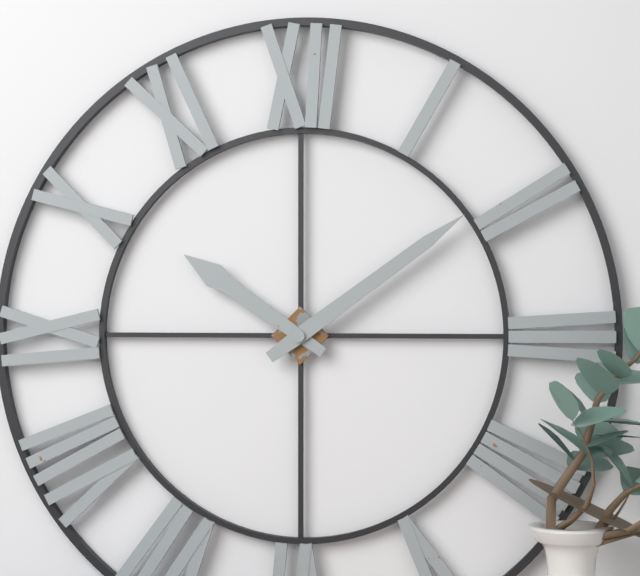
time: 10.09
